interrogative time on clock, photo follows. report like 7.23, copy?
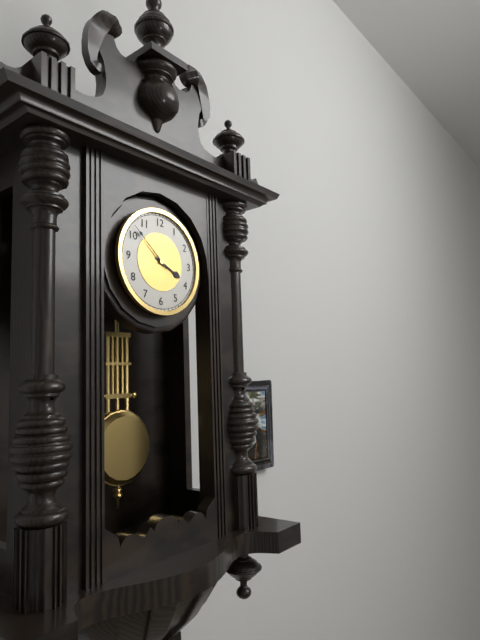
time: 3.52
